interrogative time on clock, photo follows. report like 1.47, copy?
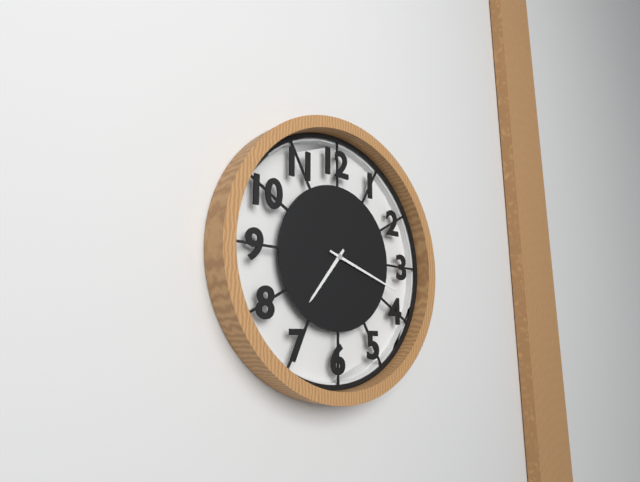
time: 7.18
